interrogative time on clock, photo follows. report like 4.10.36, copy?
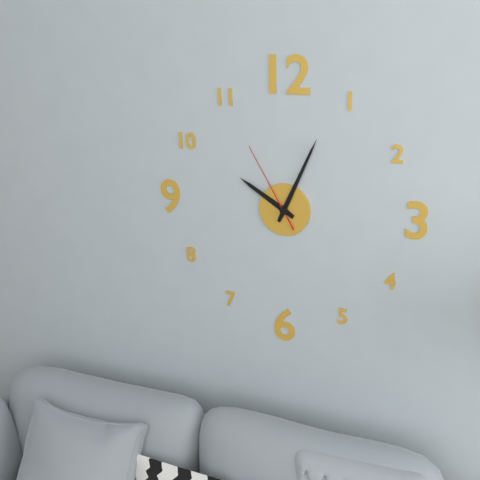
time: 10.04.55
